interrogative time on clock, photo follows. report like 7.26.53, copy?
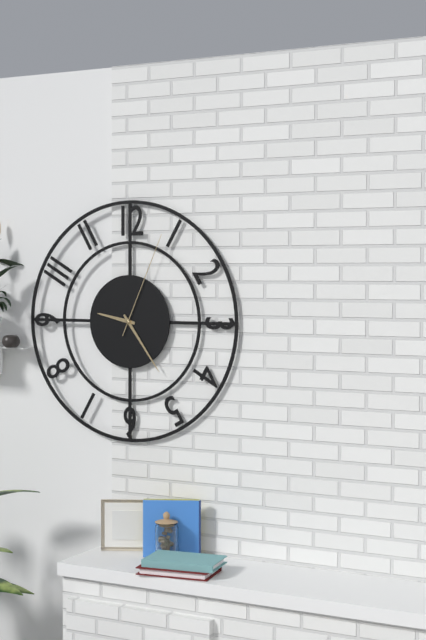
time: 9.24.04
